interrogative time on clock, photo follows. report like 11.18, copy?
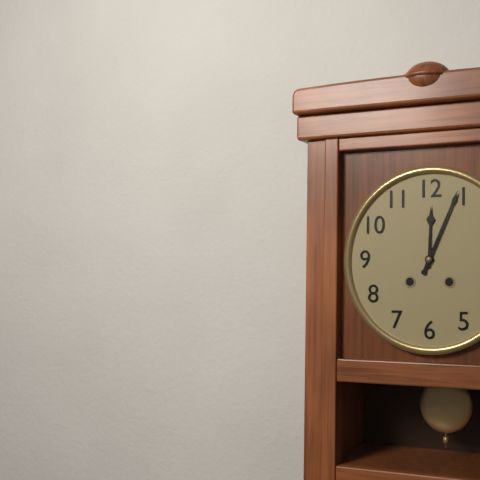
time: 12.04
